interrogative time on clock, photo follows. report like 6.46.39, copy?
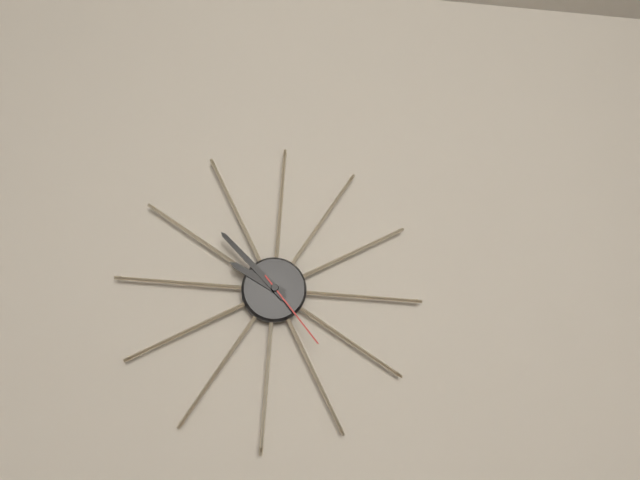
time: 9.52.23
